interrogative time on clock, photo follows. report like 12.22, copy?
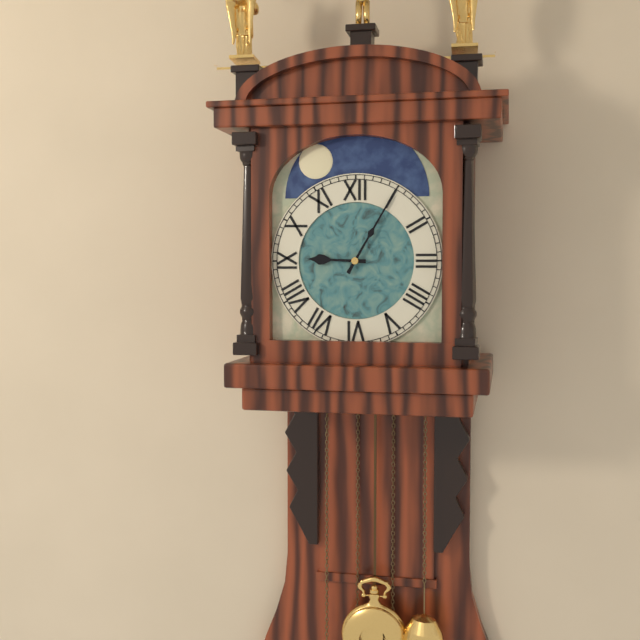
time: 9.05
